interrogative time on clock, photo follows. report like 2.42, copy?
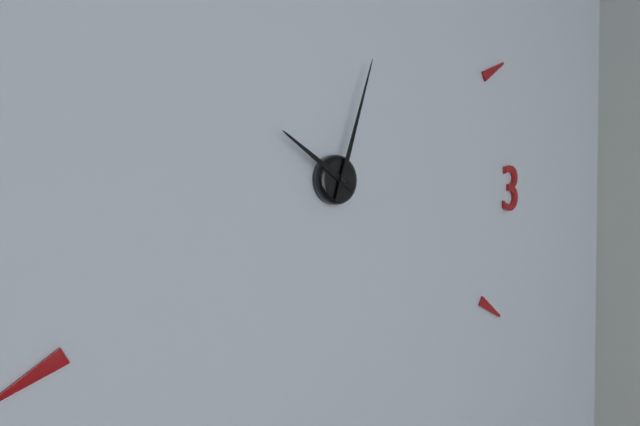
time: 10.03
